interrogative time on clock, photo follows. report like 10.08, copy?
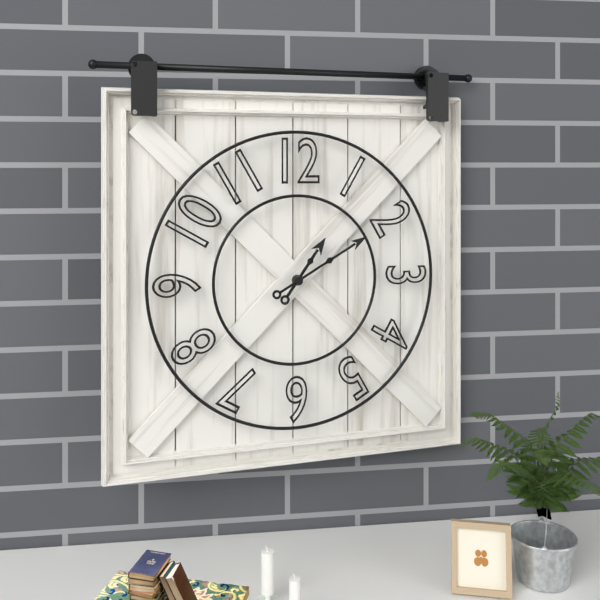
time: 1.10
